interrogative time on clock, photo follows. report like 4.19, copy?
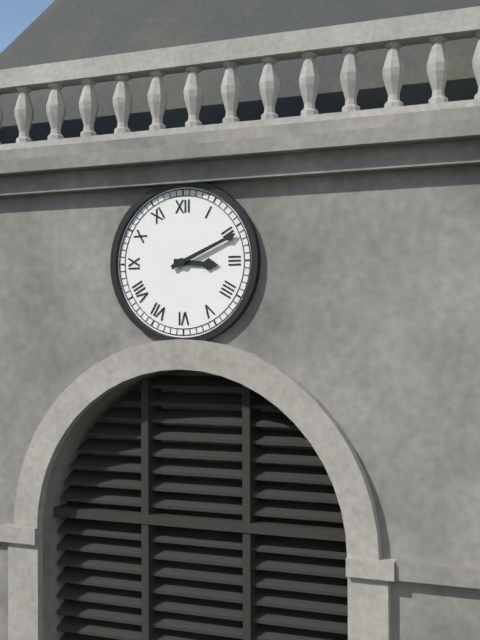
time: 3.11
